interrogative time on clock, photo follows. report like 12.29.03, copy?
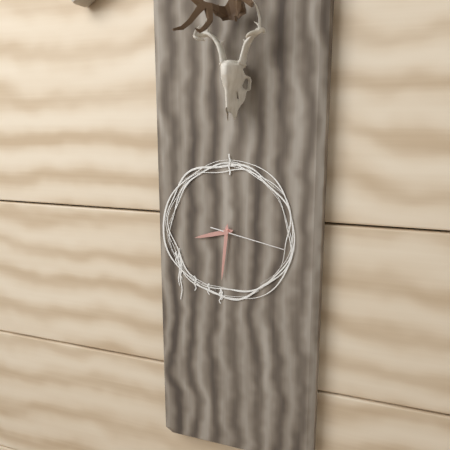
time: 8.31.17
